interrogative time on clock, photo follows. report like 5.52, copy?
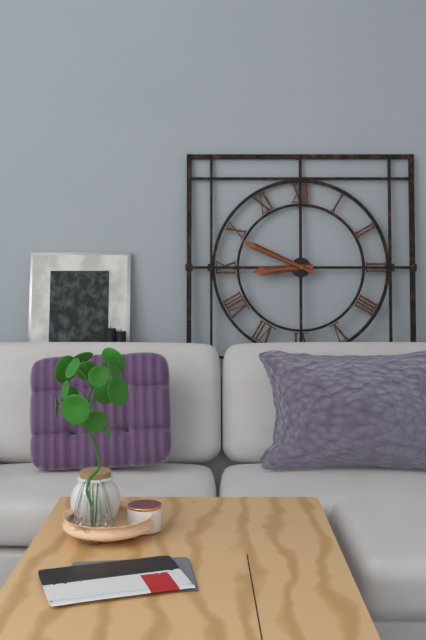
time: 8.49
